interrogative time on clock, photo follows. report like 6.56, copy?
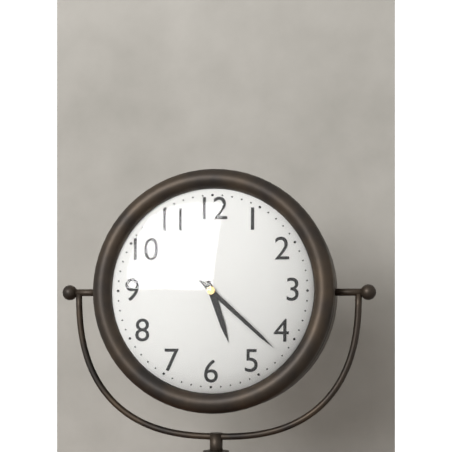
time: 5.22
